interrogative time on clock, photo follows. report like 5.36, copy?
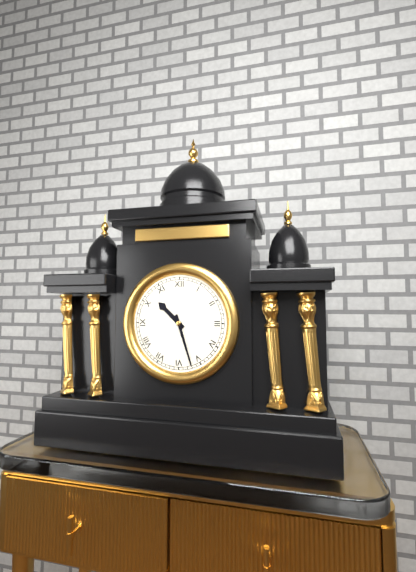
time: 10.27
